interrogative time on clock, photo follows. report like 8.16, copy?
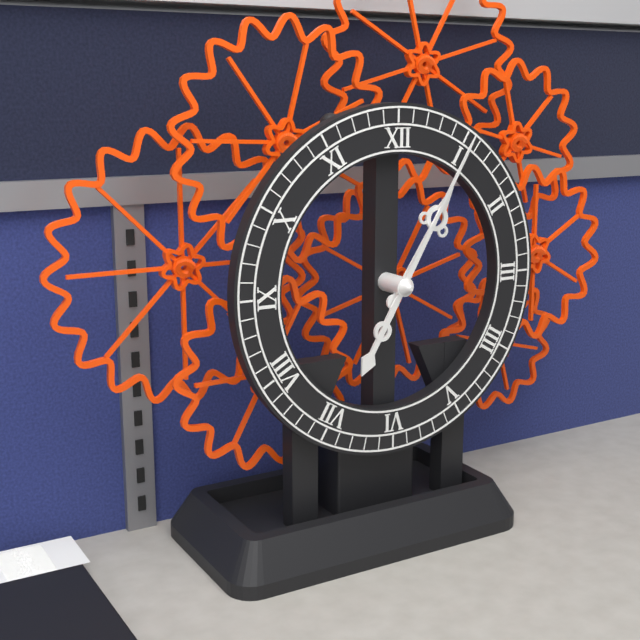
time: 1.05
